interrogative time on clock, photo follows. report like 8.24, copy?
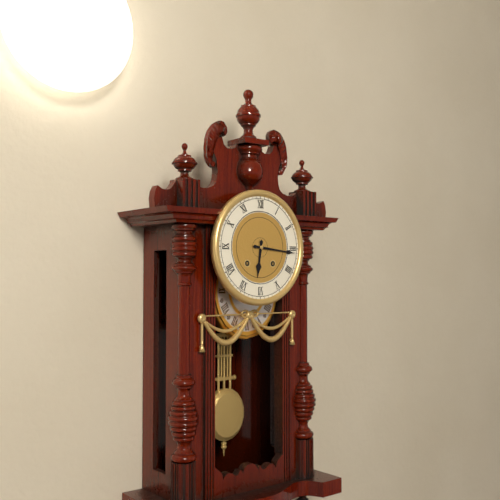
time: 6.16
